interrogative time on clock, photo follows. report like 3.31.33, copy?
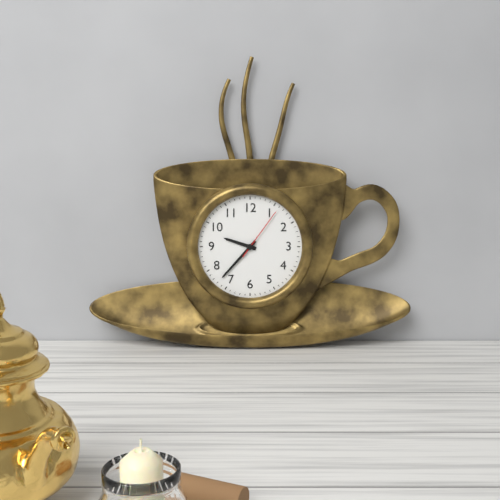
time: 9.37.06
